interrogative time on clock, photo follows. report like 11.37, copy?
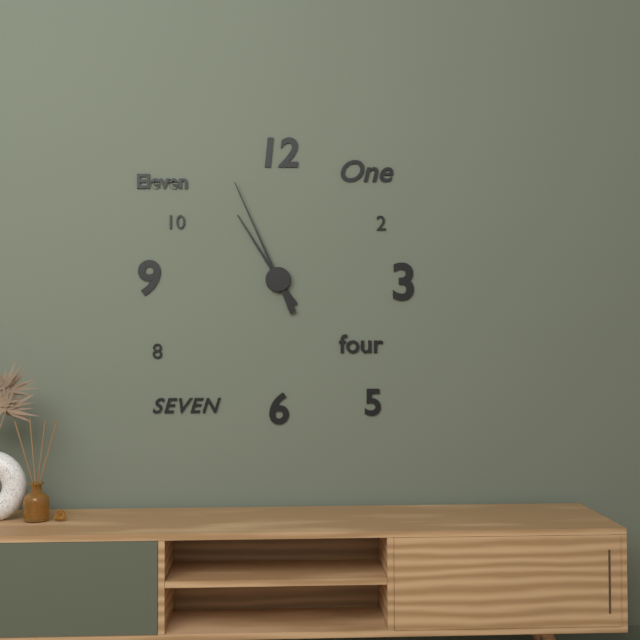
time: 10.56
